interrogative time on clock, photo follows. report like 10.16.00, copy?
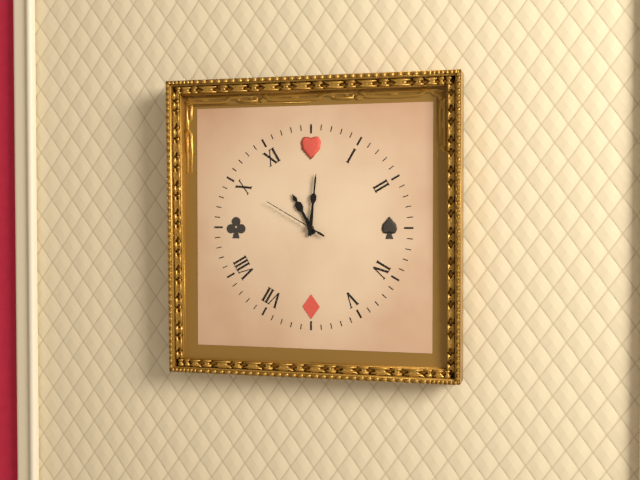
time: 11.01.50
